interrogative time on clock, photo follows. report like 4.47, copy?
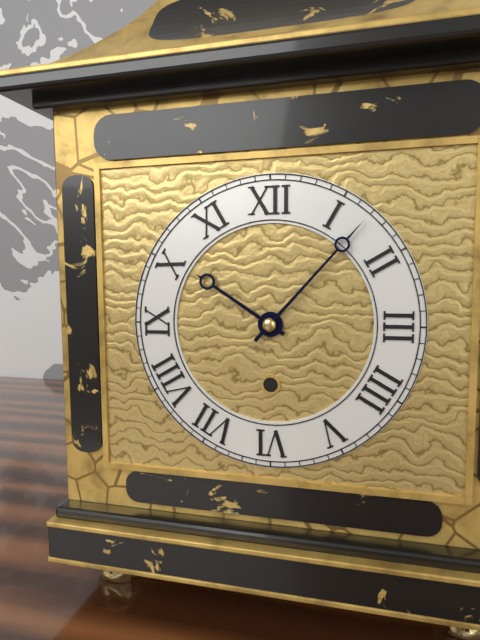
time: 10.07
